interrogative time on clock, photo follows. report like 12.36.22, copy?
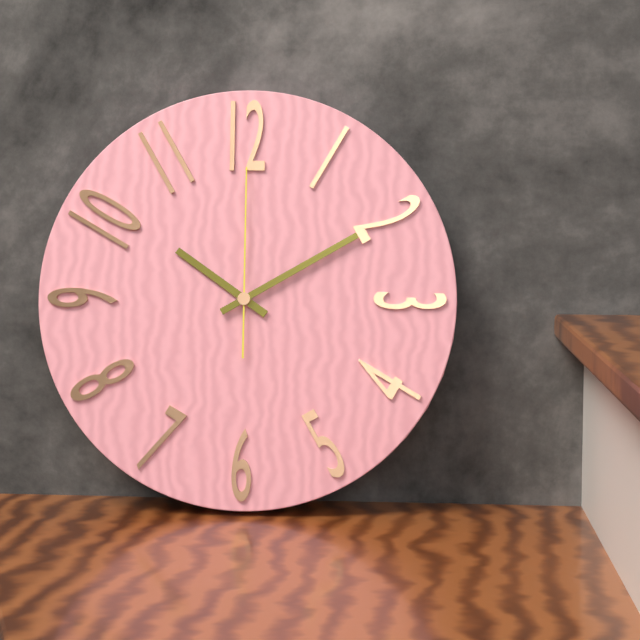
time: 10.10.00
